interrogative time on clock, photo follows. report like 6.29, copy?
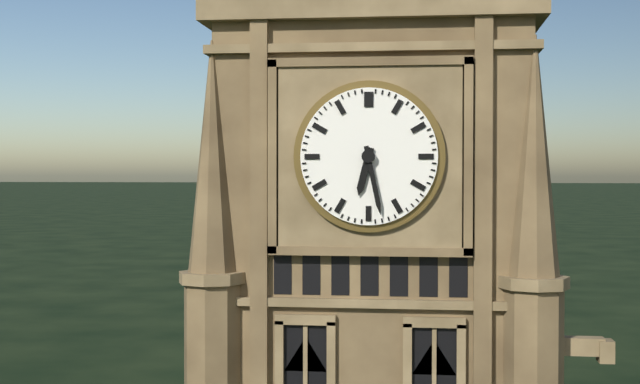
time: 6.28
